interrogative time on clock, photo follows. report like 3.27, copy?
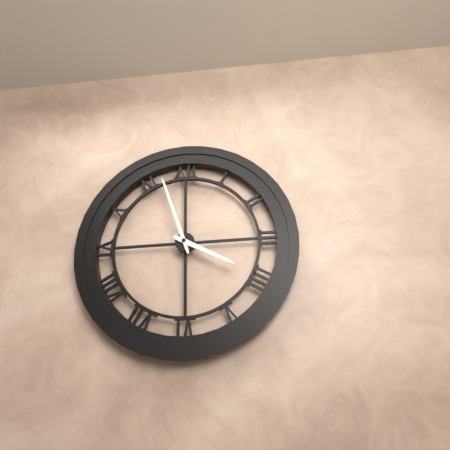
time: 3.57
